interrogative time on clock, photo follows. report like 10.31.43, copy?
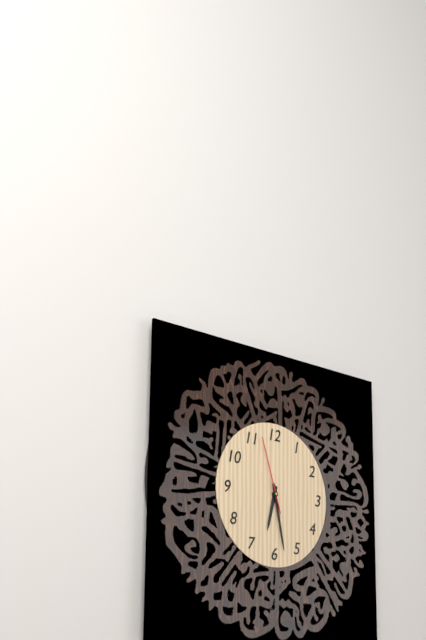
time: 6.28.57
